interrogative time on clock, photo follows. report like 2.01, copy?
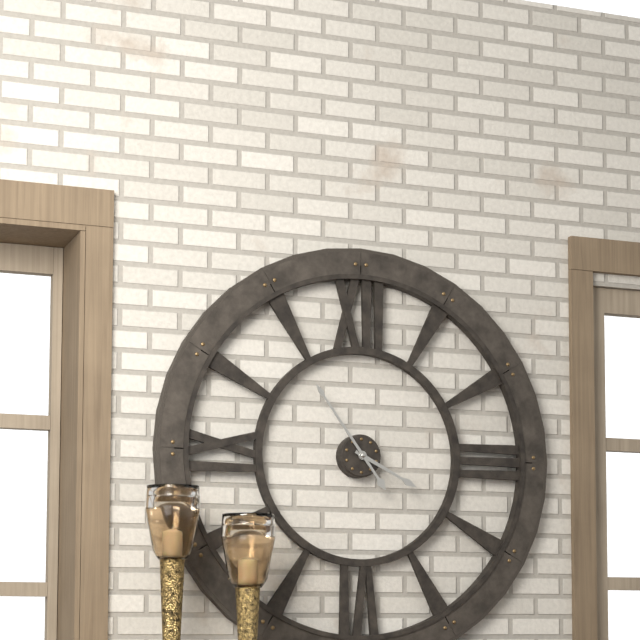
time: 3.54
